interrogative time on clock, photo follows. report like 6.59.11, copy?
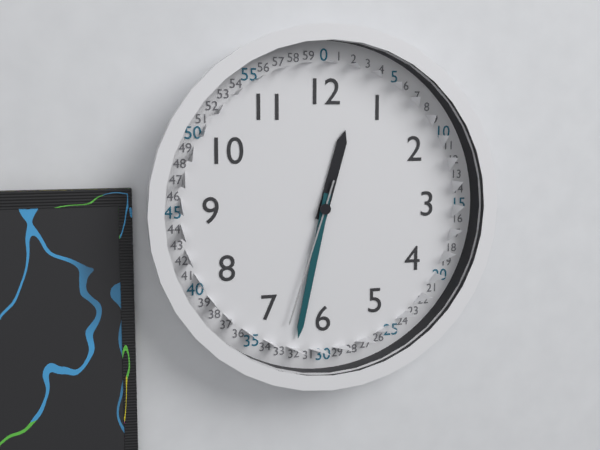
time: 12.32.33
